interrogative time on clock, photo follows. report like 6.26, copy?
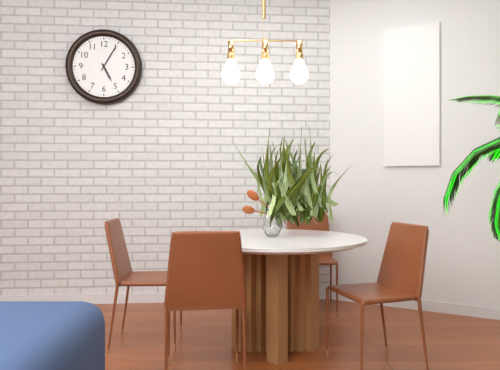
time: 5.05
